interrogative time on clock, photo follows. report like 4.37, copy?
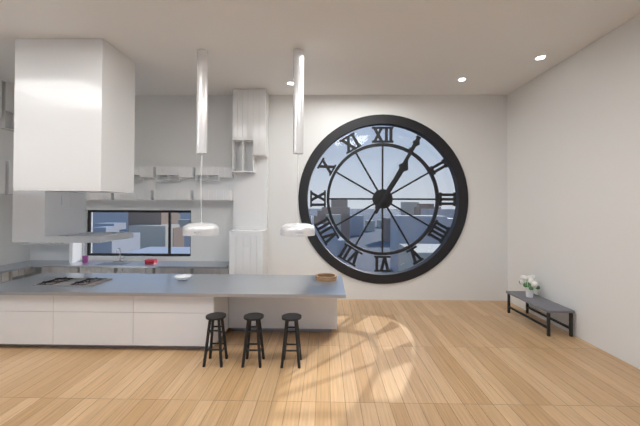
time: 1.05
